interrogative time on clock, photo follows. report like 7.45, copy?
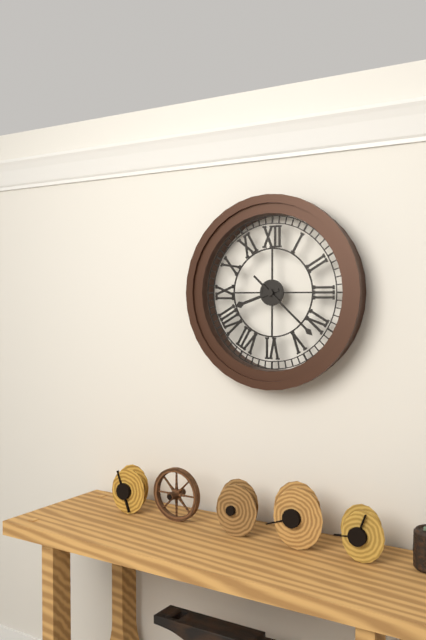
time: 8.22
